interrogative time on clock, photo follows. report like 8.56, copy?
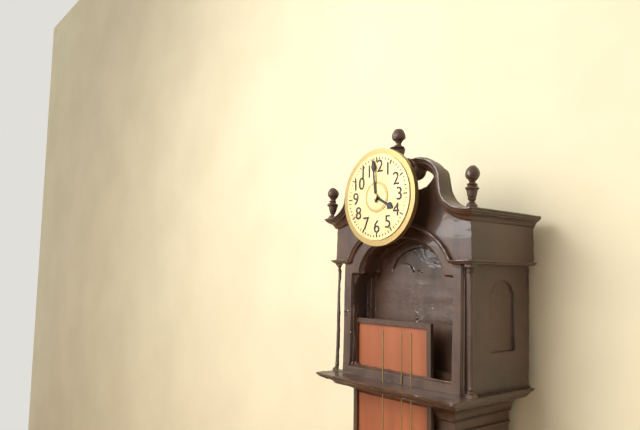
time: 3.59
